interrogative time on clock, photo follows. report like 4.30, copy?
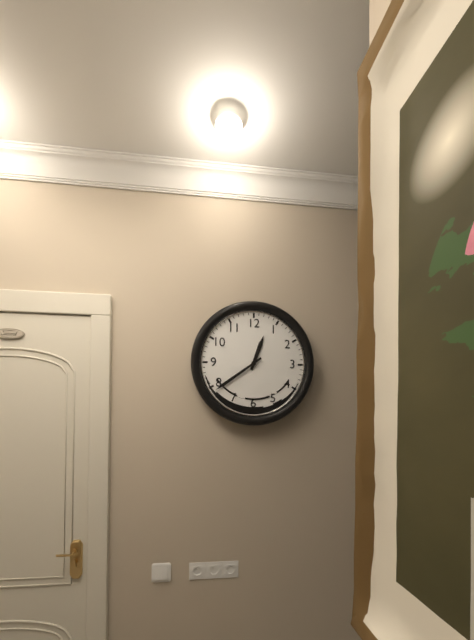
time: 12.39
